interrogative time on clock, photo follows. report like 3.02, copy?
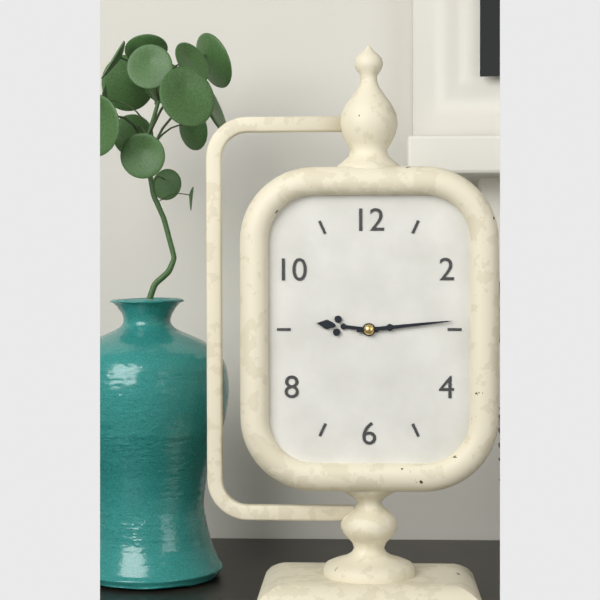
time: 9.14
